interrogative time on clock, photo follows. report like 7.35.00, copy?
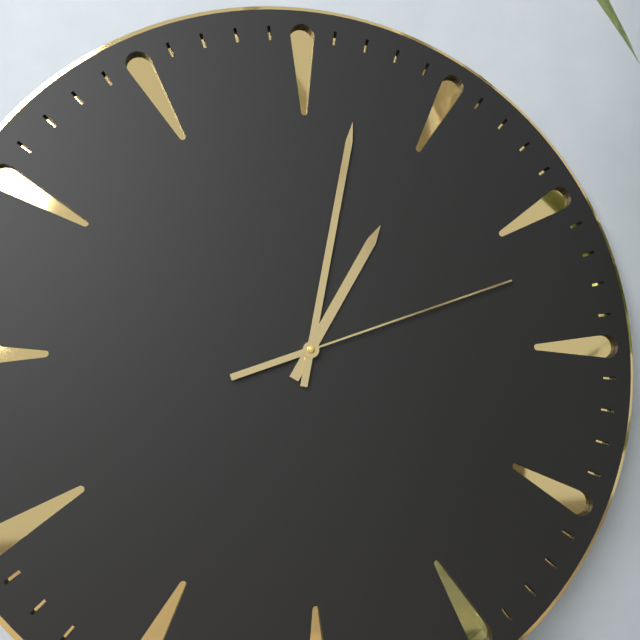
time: 1.02.12
